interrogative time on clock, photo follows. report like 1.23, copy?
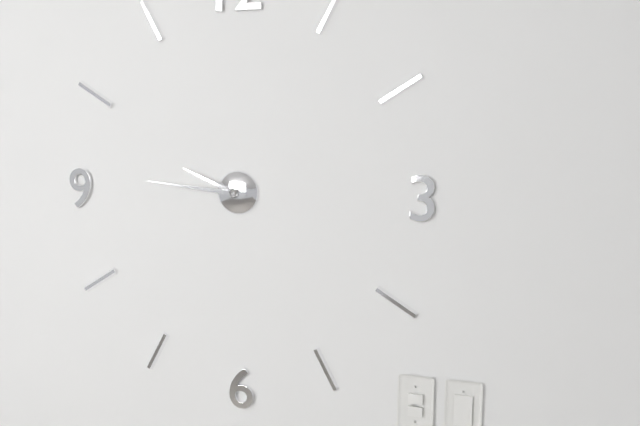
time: 9.46
